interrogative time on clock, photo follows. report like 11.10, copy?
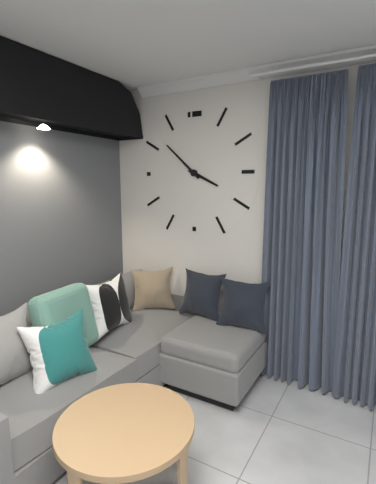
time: 3.52
